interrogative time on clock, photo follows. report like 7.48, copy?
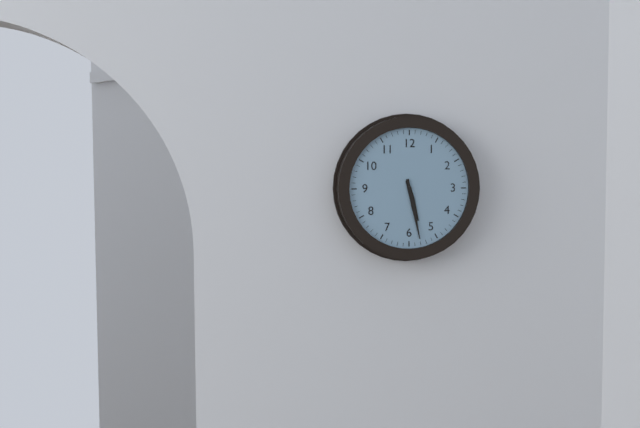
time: 5.28
